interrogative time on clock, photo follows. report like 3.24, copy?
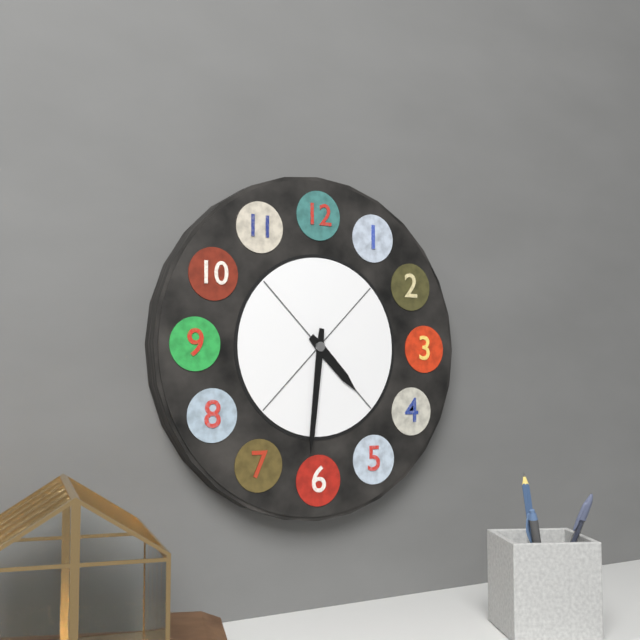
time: 4.31
